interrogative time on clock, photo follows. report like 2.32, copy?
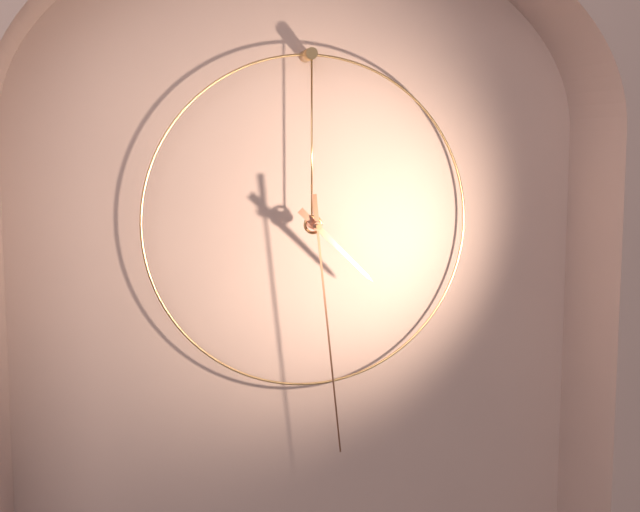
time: 4.29
